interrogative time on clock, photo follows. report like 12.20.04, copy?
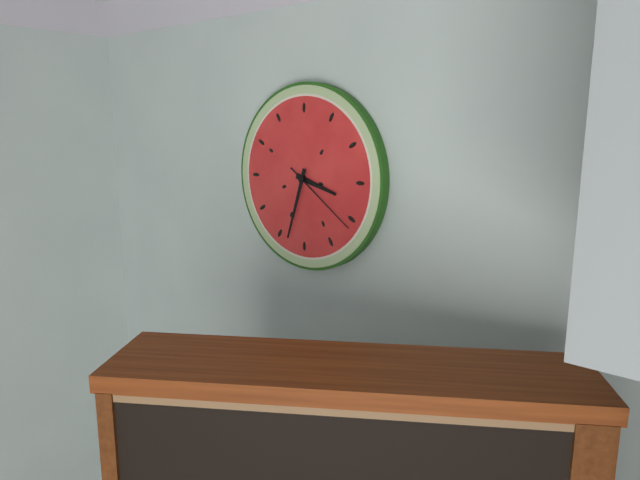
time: 3.33.21
